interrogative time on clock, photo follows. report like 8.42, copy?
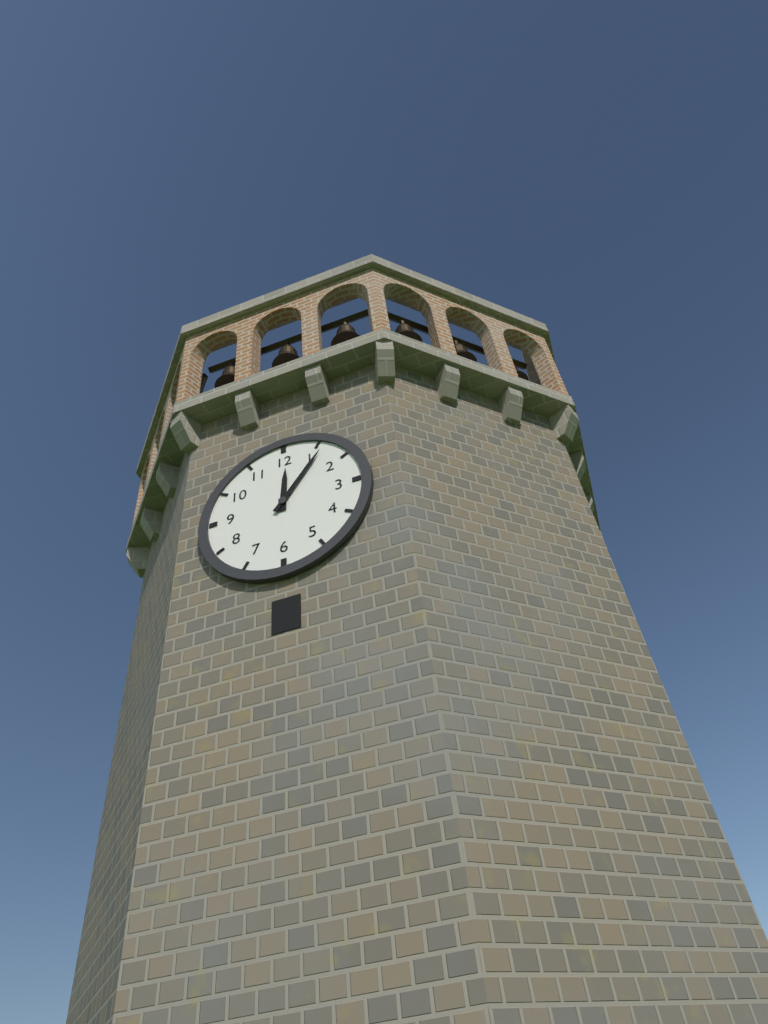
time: 12.06
